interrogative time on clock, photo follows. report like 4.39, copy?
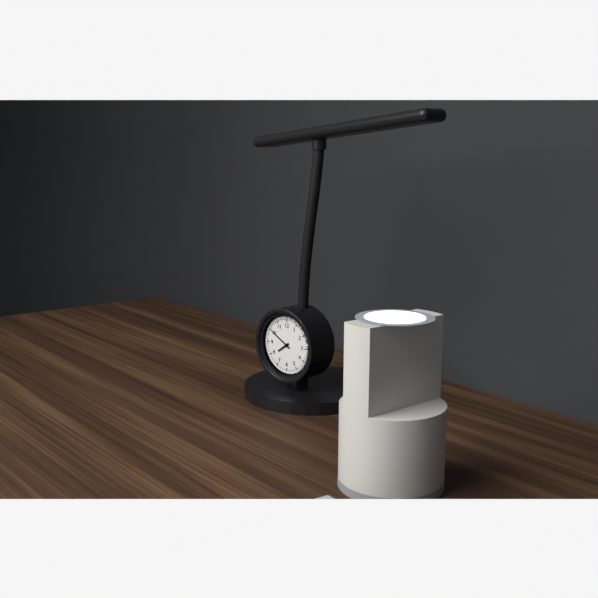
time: 7.50
